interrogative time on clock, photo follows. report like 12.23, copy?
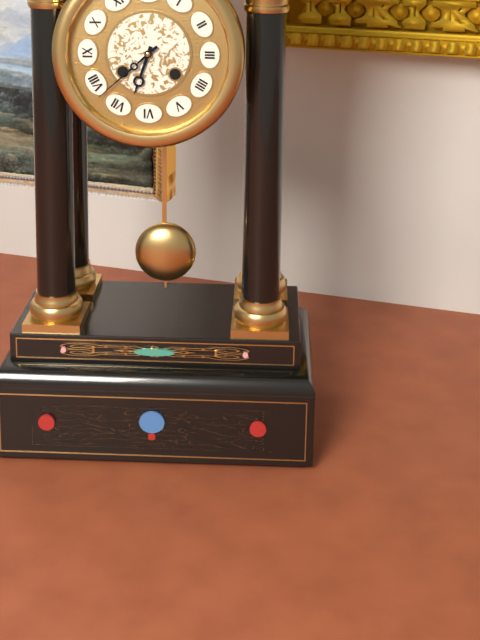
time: 6.38
